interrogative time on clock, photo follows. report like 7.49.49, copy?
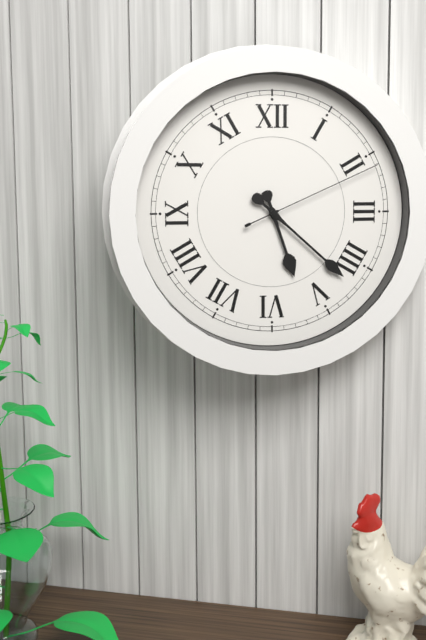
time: 5.22.11
